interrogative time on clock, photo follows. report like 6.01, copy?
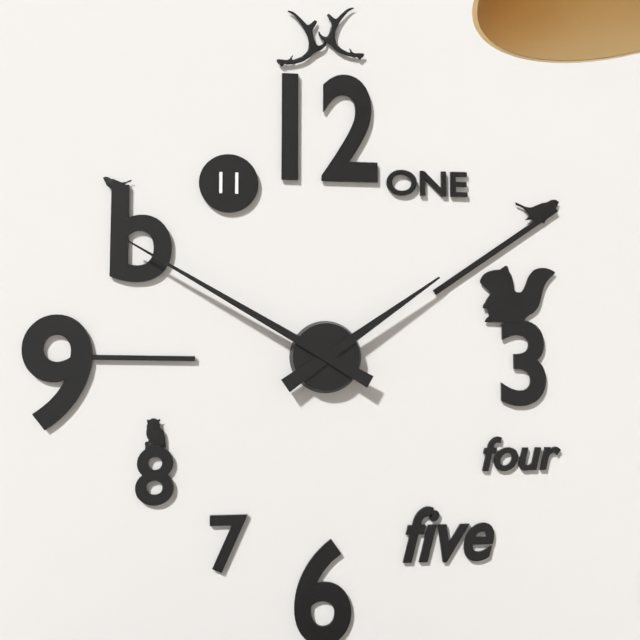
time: 1.50
